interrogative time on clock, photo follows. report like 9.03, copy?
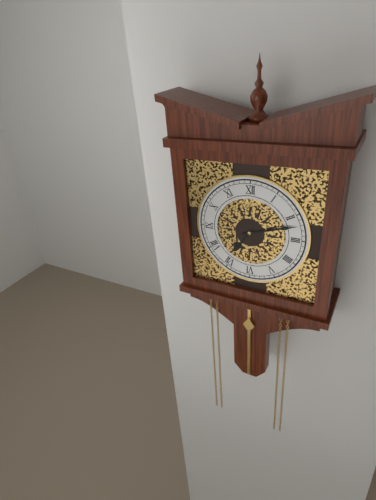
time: 7.12
